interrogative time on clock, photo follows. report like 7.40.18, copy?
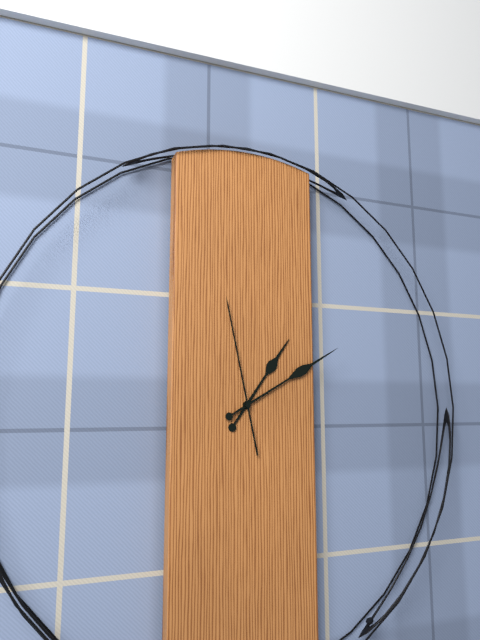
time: 1.10.58
